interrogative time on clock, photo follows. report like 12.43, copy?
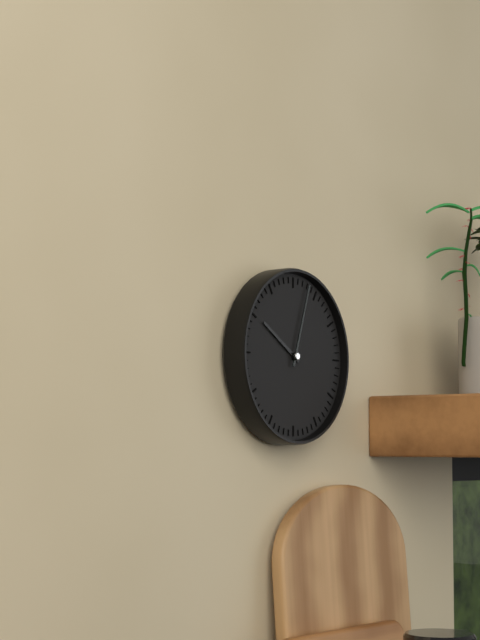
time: 10.03
